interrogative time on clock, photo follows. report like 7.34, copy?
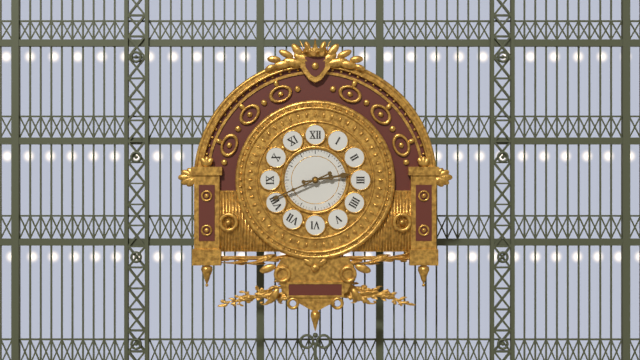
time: 2.41
